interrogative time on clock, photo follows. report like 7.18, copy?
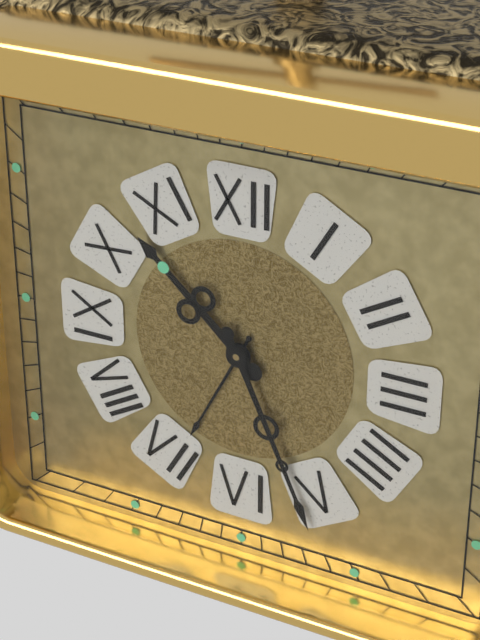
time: 10.26
